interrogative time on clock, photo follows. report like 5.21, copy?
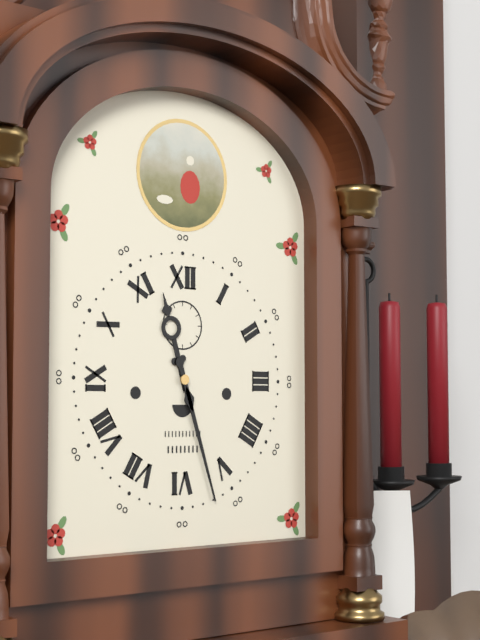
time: 11.27
